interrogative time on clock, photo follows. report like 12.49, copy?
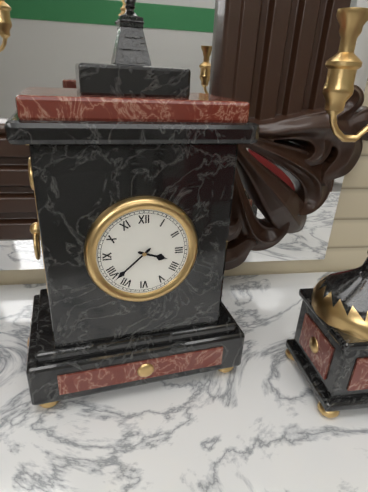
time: 3.38
